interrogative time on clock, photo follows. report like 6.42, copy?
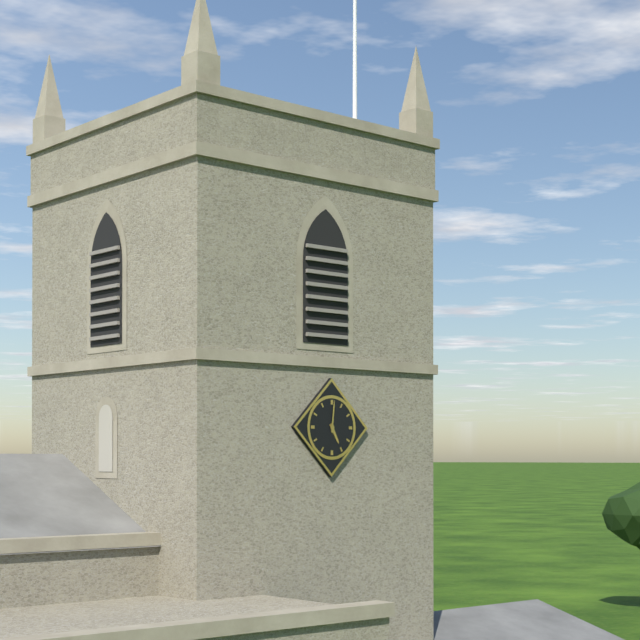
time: 5.01
